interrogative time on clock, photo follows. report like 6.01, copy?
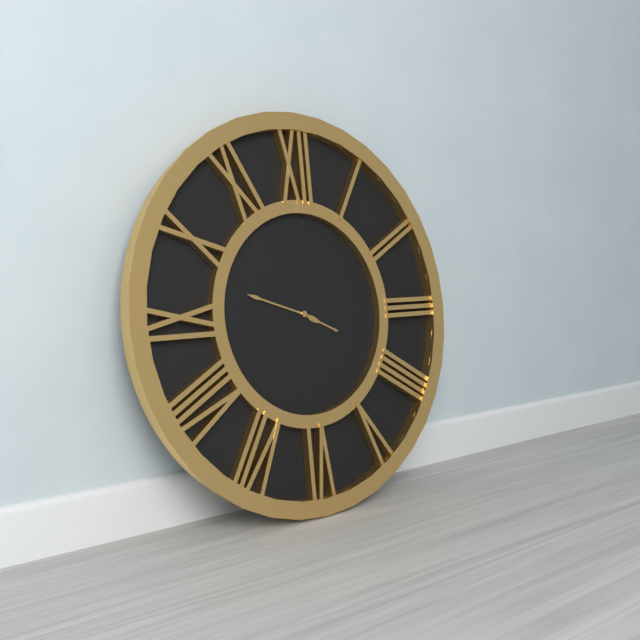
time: 3.48
